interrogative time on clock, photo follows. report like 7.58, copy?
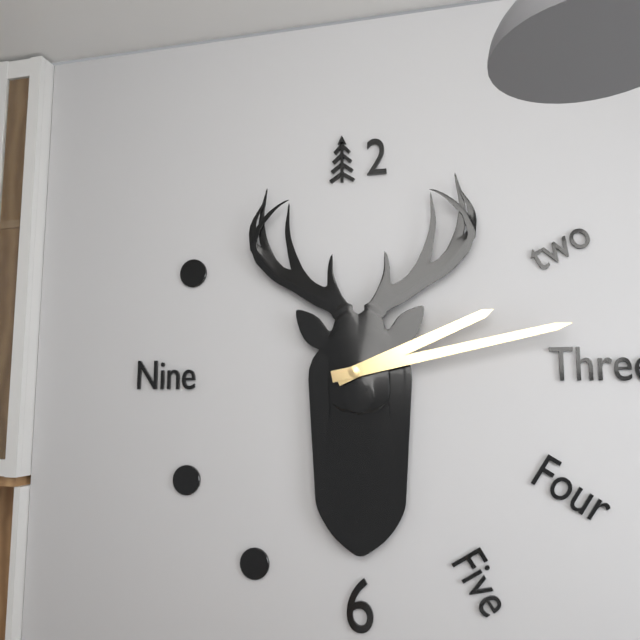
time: 2.13
